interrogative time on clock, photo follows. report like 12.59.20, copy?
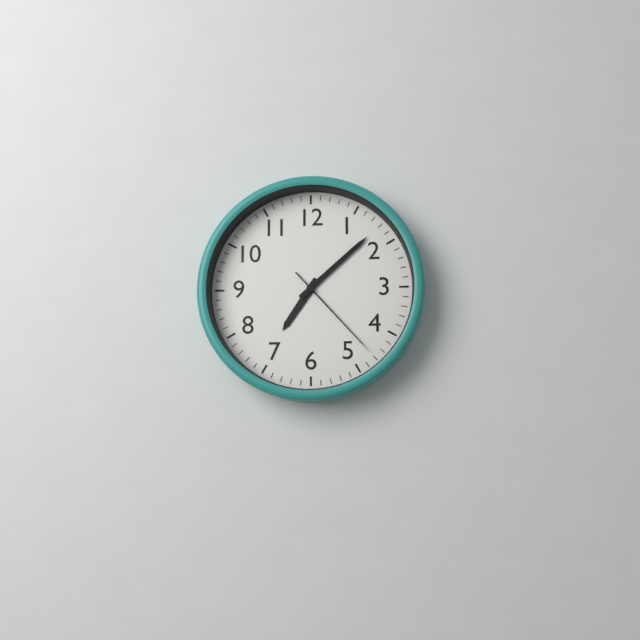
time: 7.08.23
